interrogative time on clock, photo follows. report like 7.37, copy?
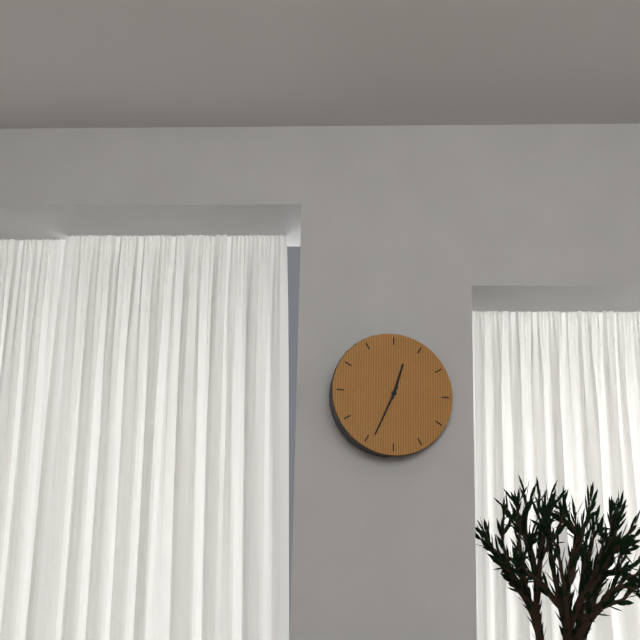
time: 12.34
